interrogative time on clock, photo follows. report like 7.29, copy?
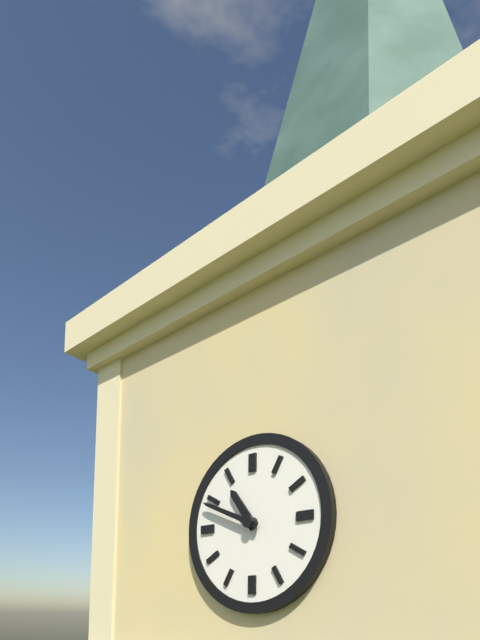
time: 10.49
